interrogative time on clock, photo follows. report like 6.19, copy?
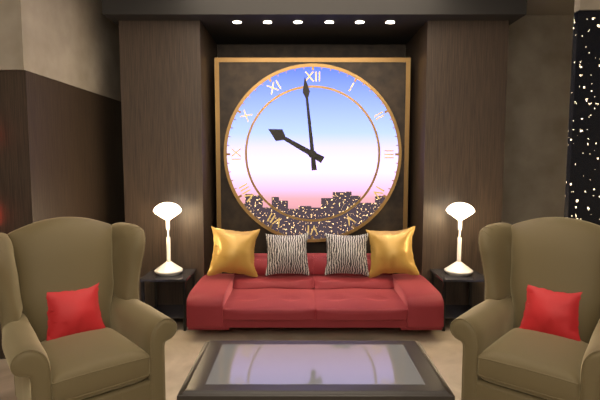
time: 9.59
